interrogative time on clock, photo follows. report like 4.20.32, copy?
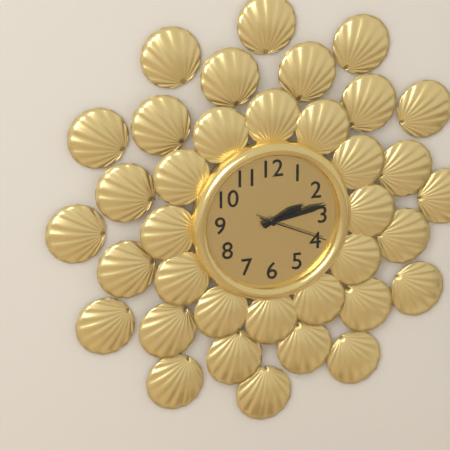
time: 2.13.19
